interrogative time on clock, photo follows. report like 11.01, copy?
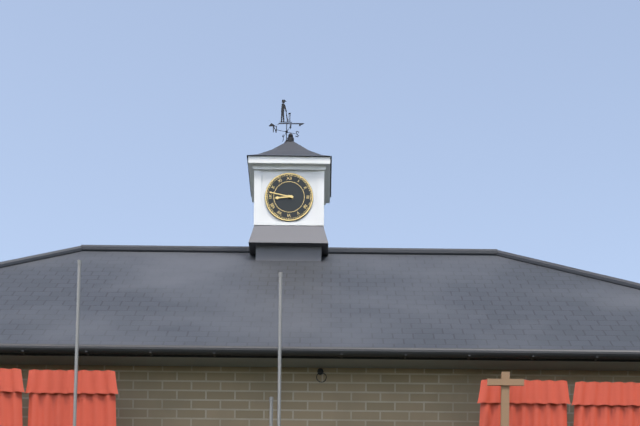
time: 8.47
